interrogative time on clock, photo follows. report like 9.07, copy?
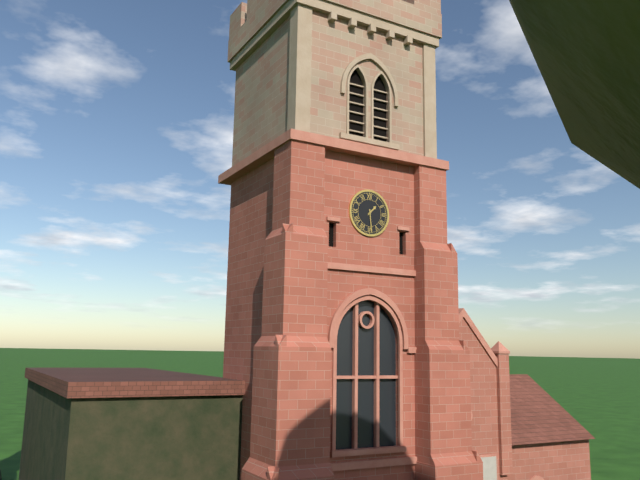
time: 1.29
